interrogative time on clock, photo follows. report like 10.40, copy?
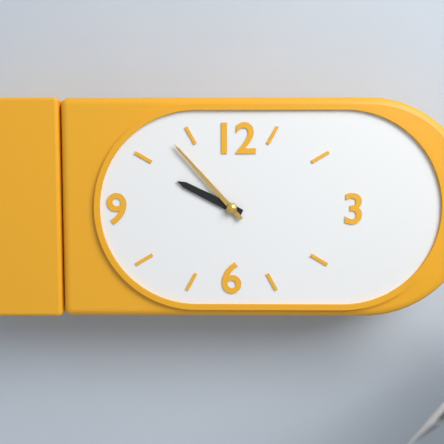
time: 9.53
